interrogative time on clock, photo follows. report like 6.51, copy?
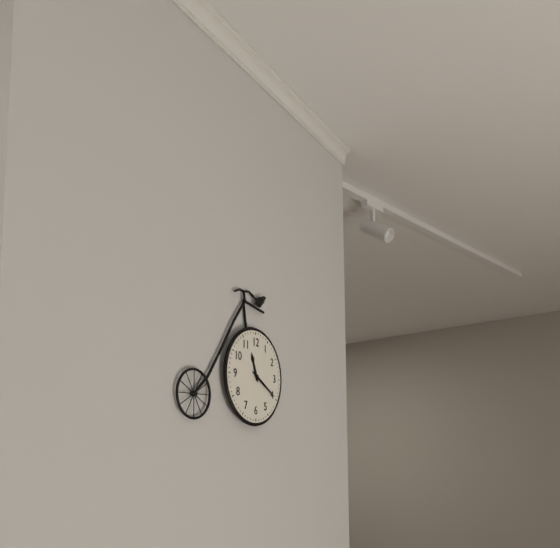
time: 11.20
